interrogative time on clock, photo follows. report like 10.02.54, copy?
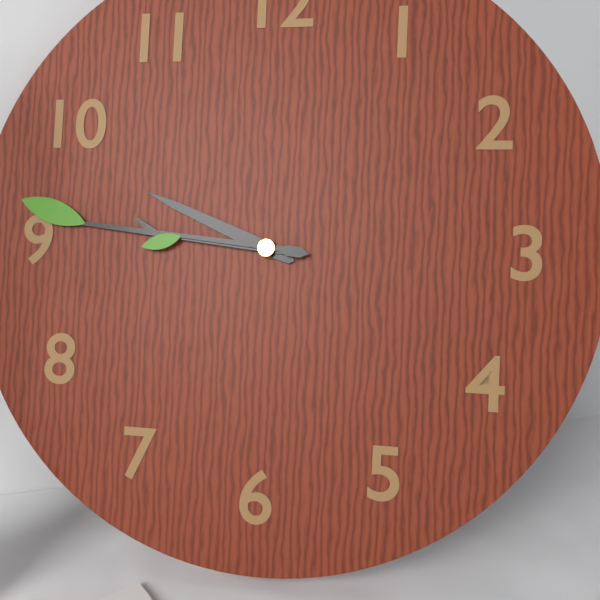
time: 9.46.46
